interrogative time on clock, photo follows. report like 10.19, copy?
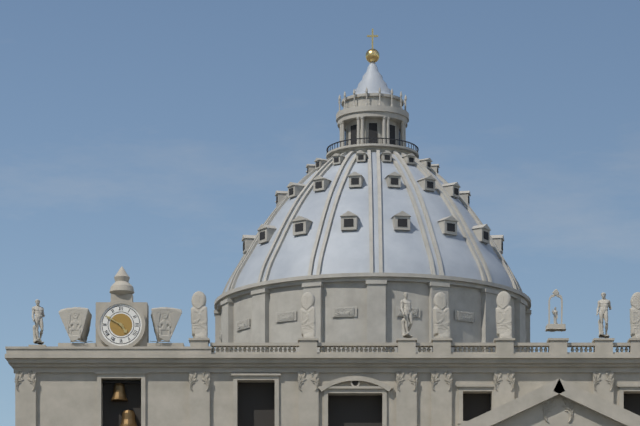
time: 4.50
